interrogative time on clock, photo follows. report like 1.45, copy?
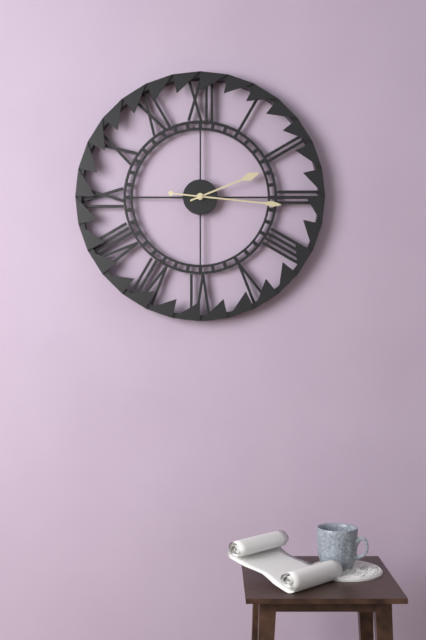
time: 2.16
